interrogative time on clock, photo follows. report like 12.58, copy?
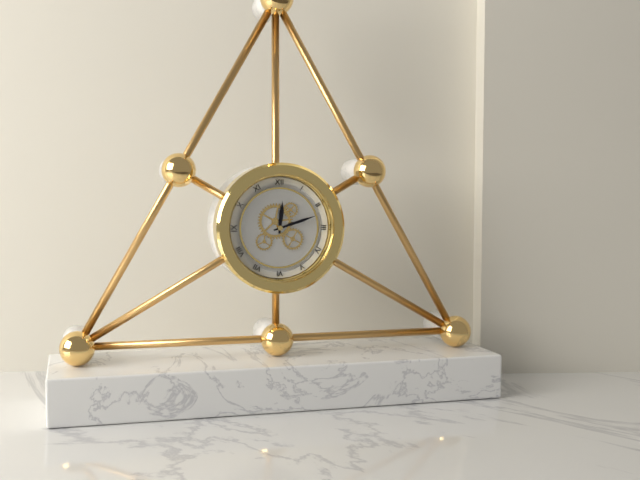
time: 12.12
